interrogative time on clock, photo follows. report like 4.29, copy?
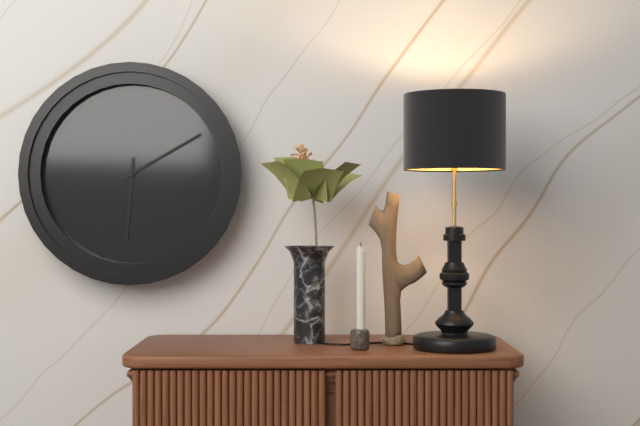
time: 6.10
